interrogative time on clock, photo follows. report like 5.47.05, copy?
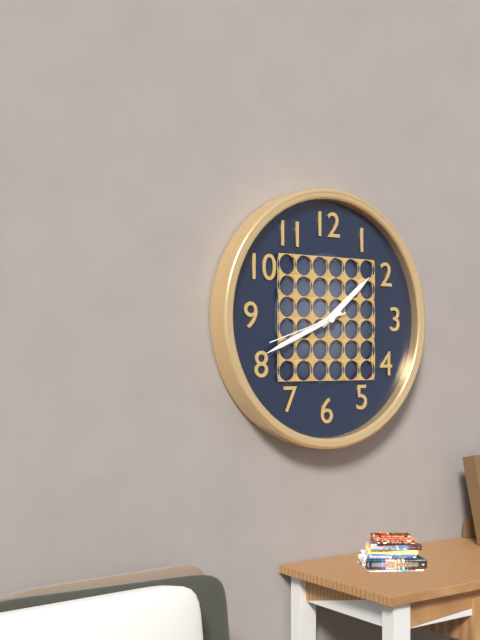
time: 1.41.42
